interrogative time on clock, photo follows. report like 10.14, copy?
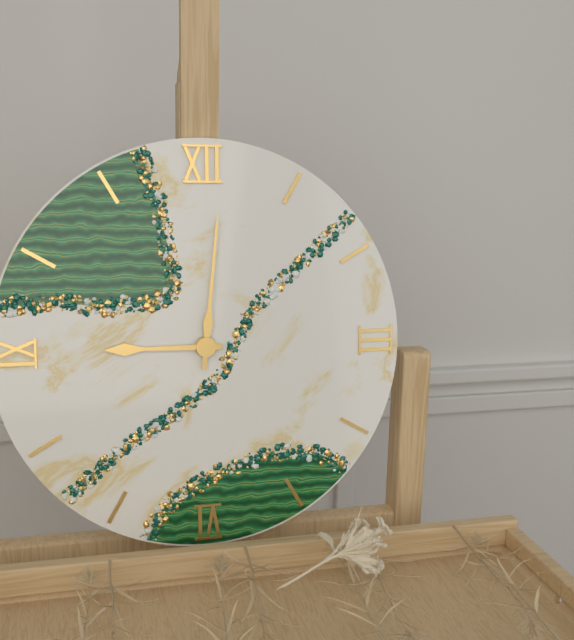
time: 9.01
